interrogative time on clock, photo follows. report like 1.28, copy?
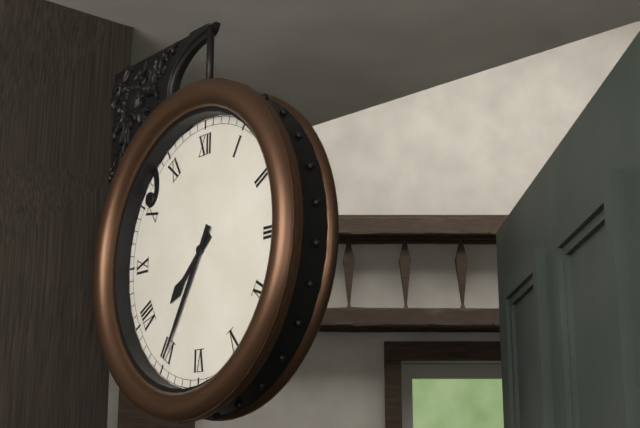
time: 7.35
